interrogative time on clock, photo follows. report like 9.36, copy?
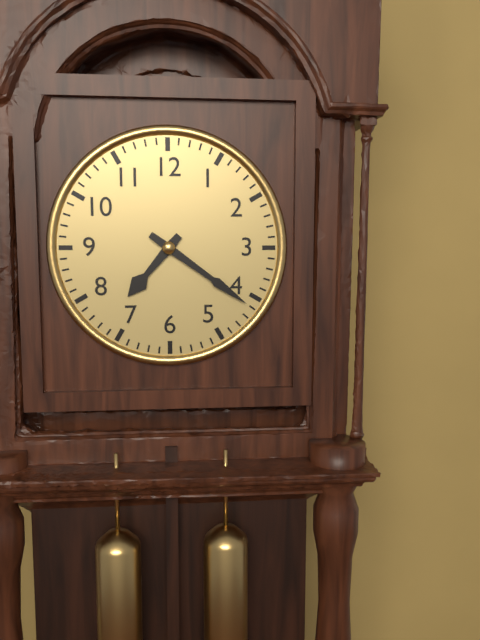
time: 7.21
